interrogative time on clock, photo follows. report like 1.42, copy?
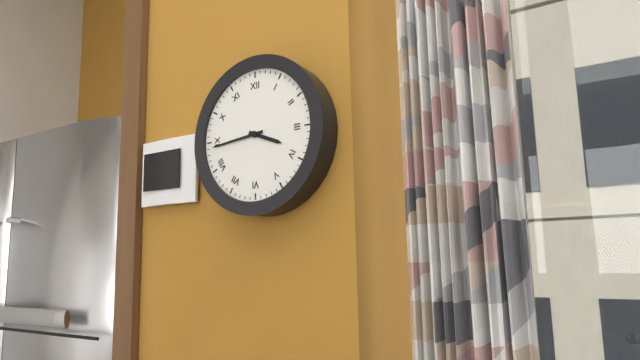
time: 3.44
